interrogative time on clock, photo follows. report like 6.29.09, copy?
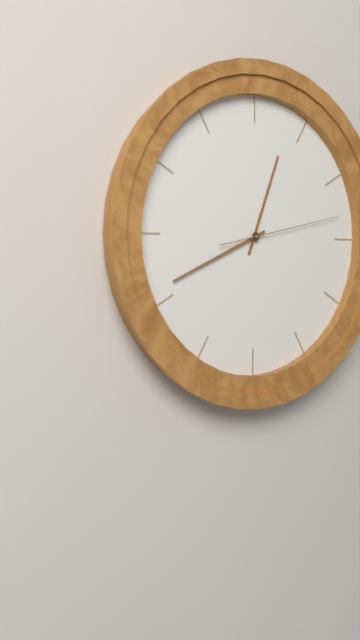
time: 12.41.13
